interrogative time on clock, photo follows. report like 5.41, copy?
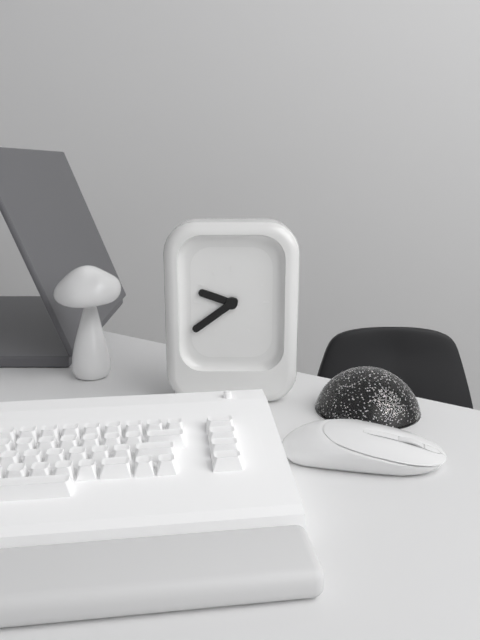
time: 9.39
